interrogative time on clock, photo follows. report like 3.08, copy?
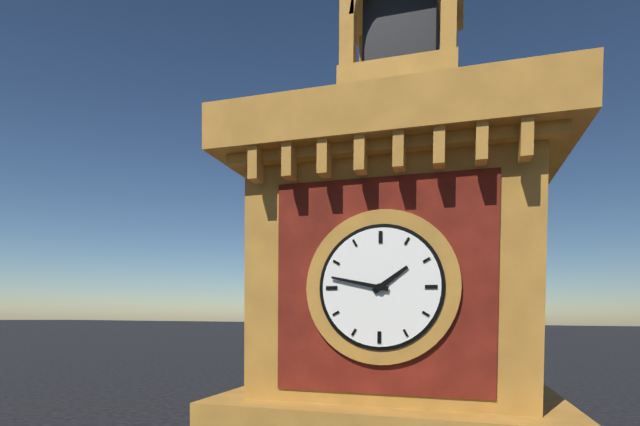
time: 1.47
